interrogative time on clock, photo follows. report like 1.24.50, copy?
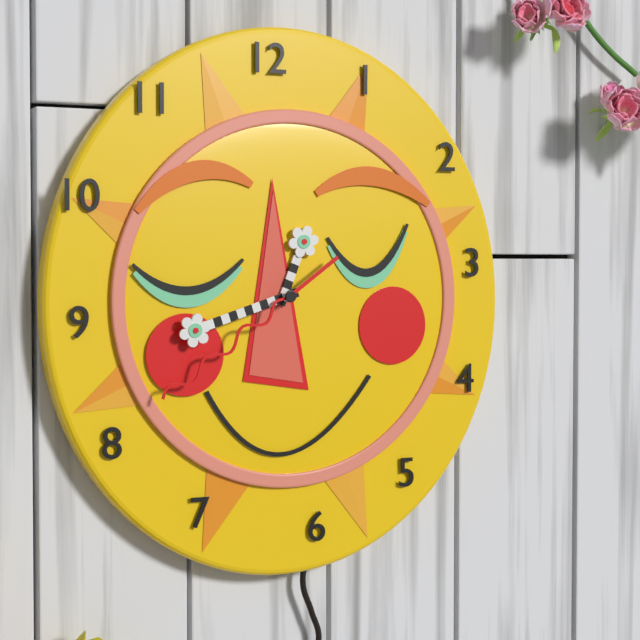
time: 12.42.39
